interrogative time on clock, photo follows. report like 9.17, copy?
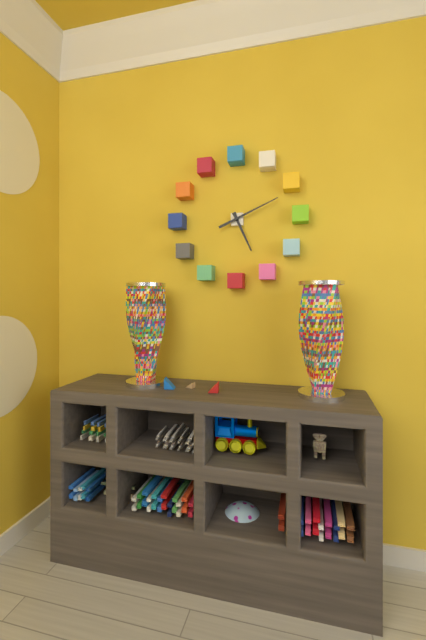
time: 5.11
